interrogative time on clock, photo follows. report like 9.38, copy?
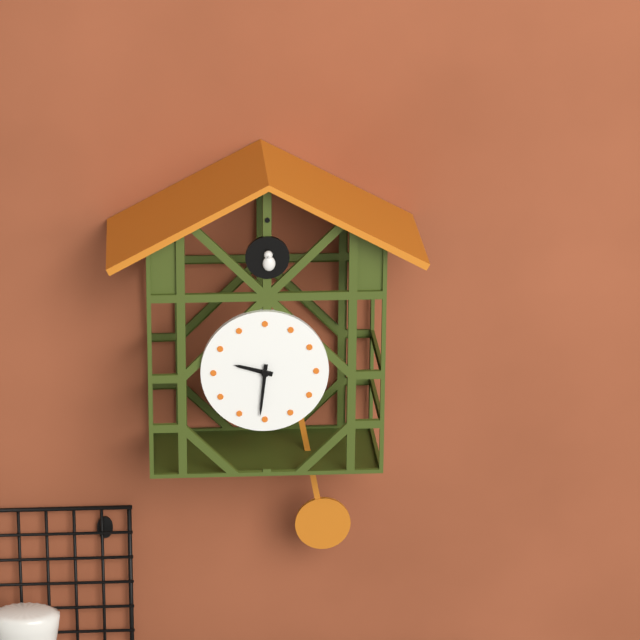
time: 9.31
